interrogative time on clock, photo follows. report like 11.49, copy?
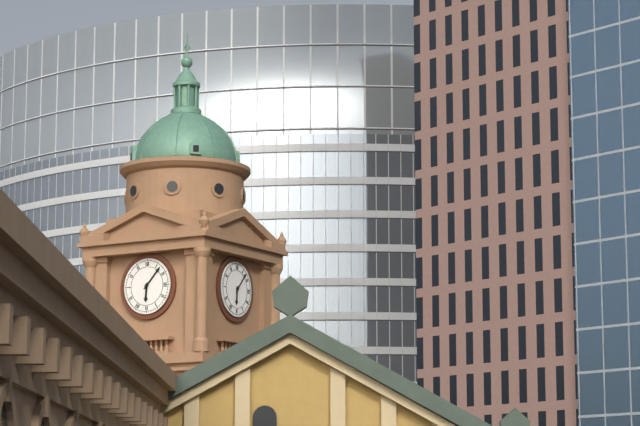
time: 6.07
